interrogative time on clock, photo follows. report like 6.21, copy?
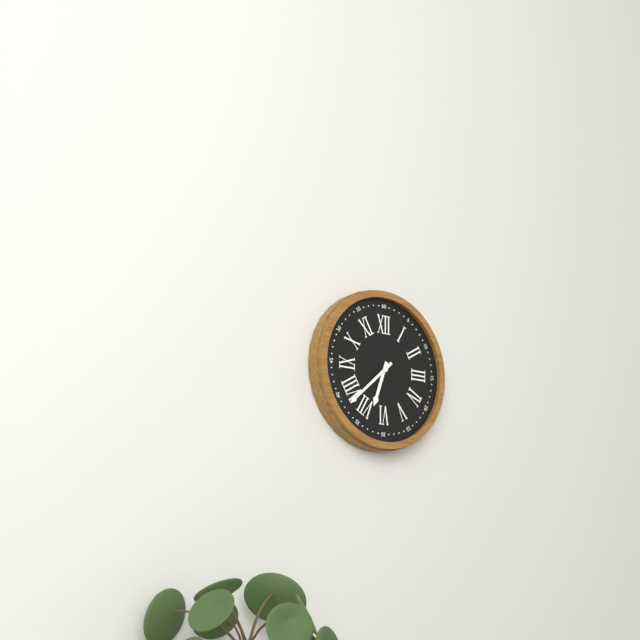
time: 6.38
